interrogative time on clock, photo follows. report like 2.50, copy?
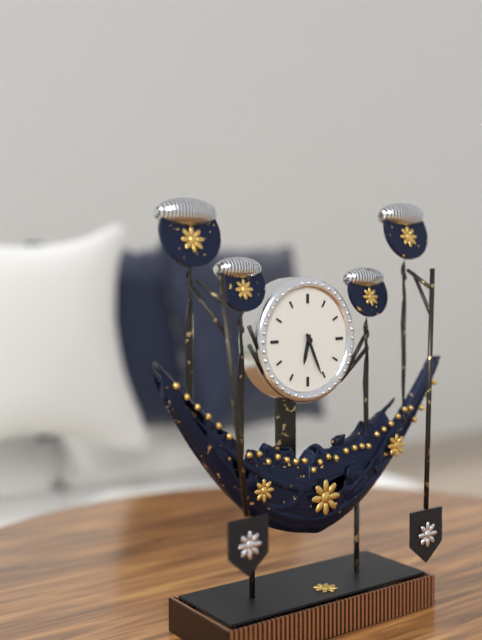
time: 6.26
